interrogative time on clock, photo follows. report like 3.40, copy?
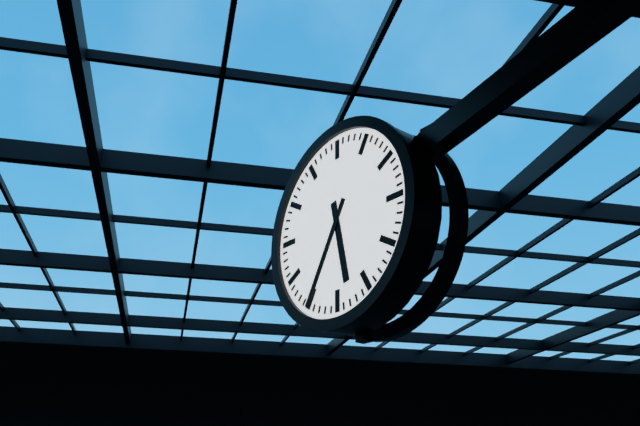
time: 5.35
